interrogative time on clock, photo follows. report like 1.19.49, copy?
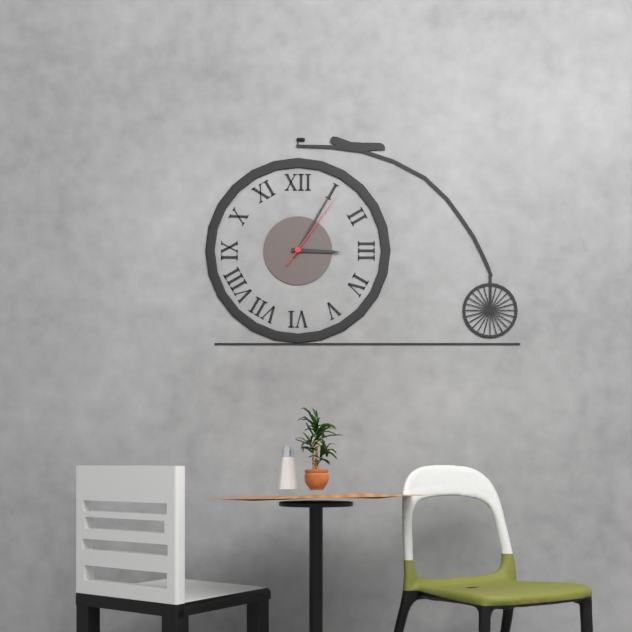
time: 3.05.06
